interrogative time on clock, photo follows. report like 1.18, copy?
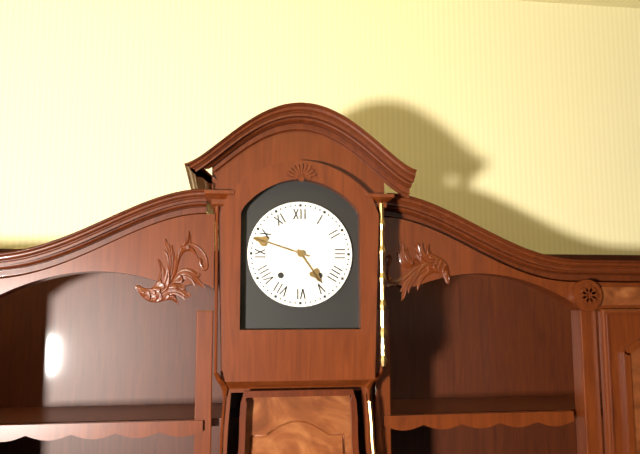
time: 4.48
